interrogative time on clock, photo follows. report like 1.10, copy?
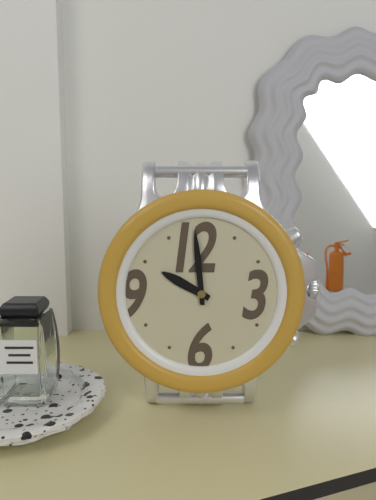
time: 9.59
